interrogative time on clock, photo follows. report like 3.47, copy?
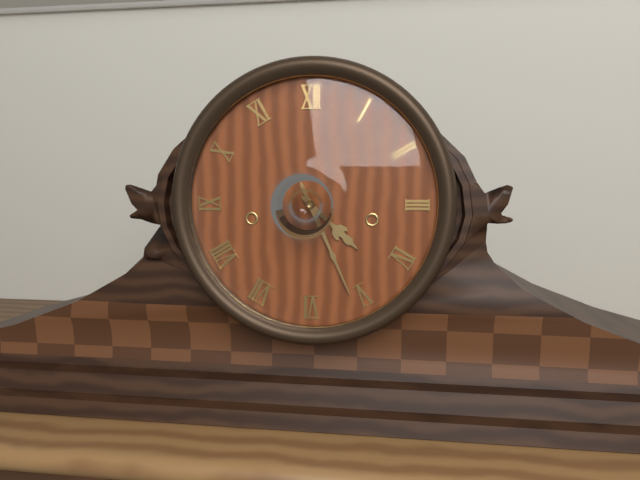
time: 4.26
